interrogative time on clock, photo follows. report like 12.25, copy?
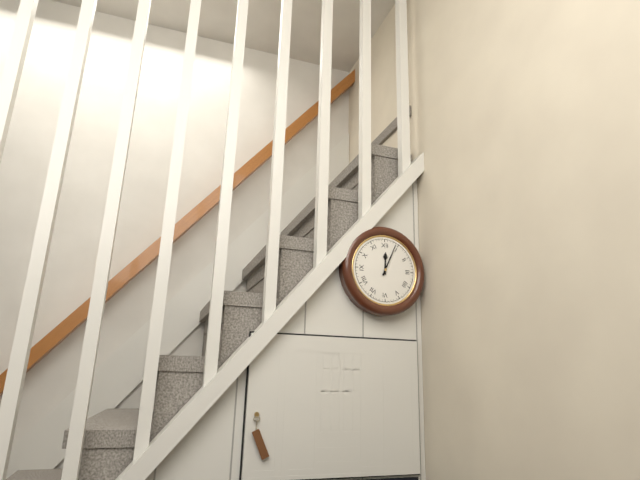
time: 12.04
